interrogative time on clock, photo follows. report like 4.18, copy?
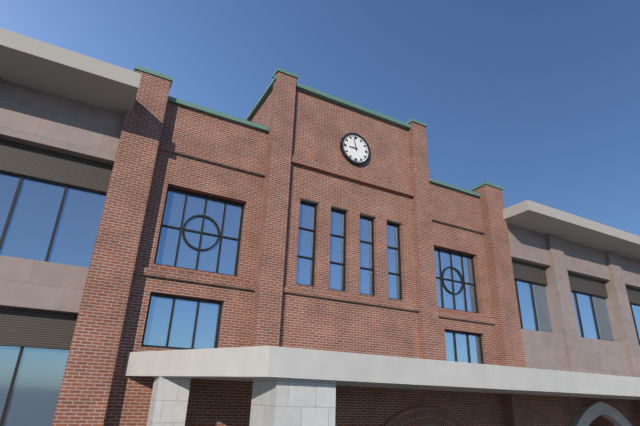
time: 8.58
